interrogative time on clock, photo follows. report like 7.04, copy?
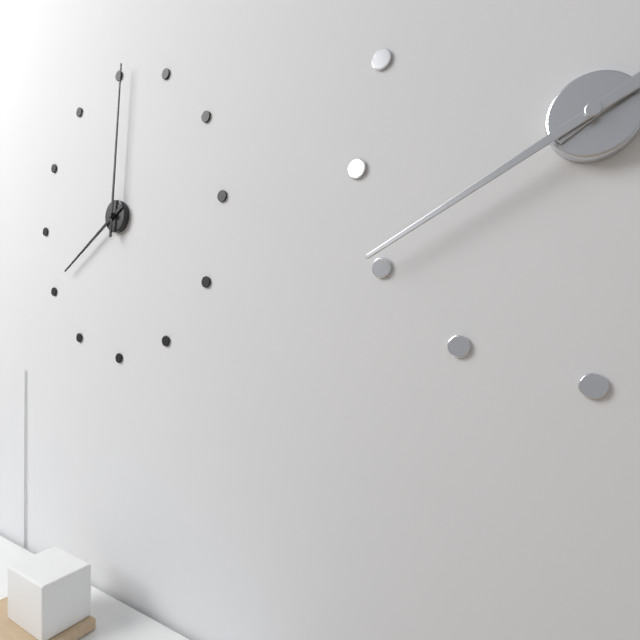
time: 8.01
